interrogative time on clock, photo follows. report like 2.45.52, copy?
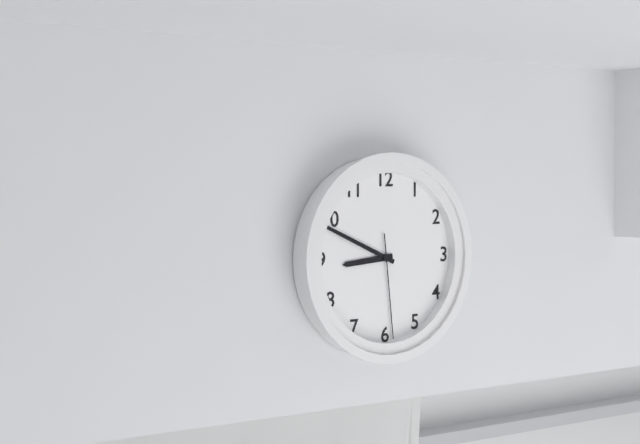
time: 8.49.29
